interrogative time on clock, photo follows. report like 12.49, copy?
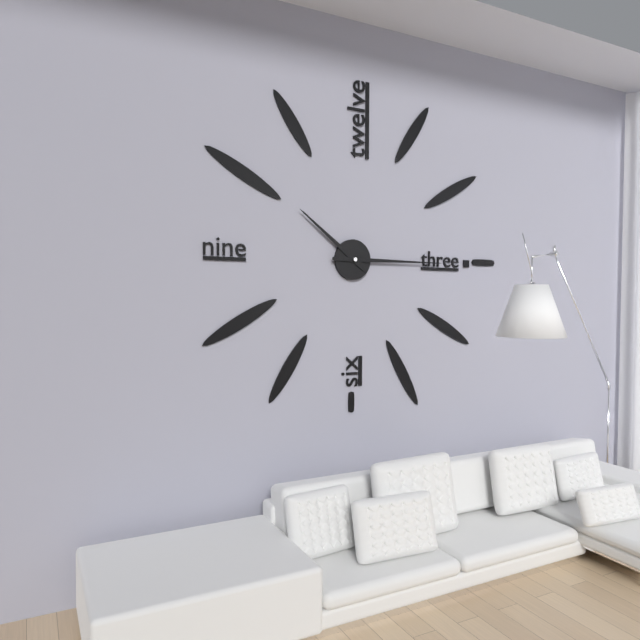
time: 10.15
